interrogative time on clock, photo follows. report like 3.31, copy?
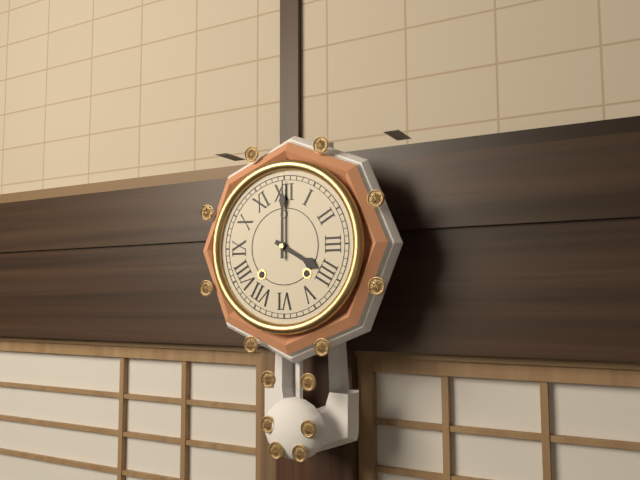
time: 4.00
